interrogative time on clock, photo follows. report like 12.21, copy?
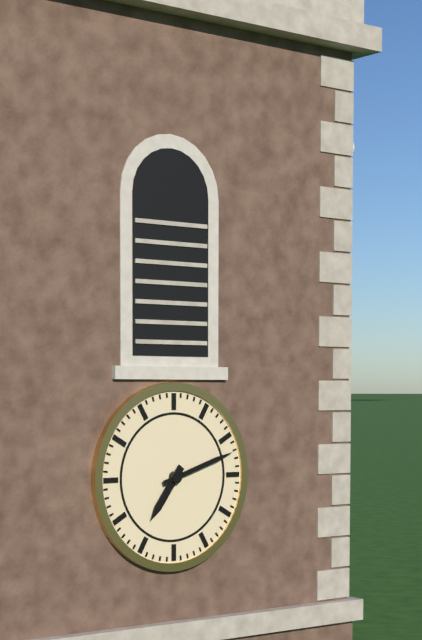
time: 7.12
